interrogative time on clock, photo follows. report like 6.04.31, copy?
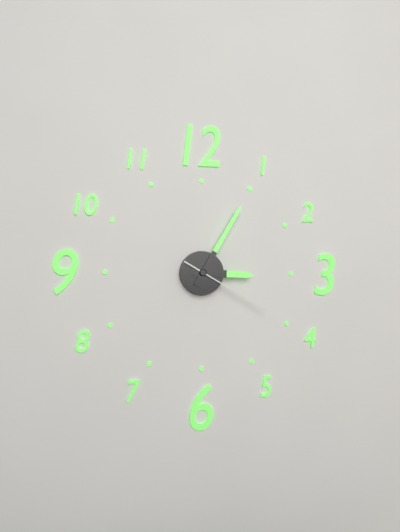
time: 3.05.20
